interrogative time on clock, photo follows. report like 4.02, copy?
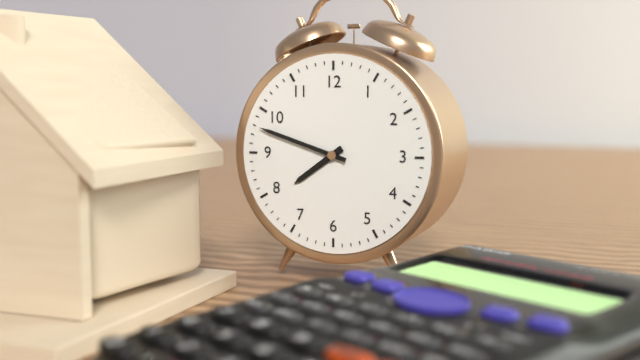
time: 7.48
